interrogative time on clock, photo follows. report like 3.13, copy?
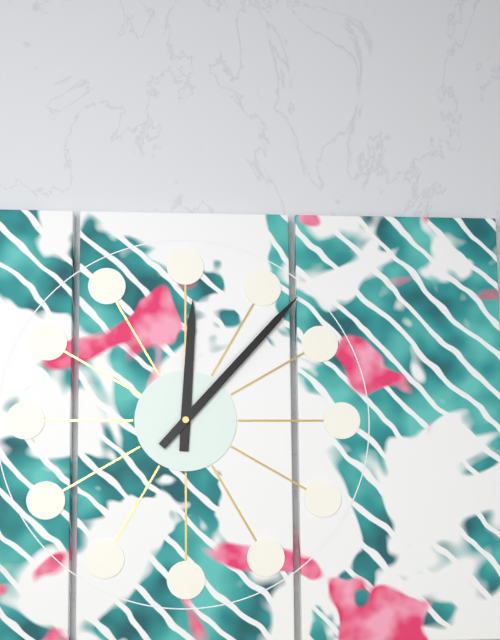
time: 12.07
